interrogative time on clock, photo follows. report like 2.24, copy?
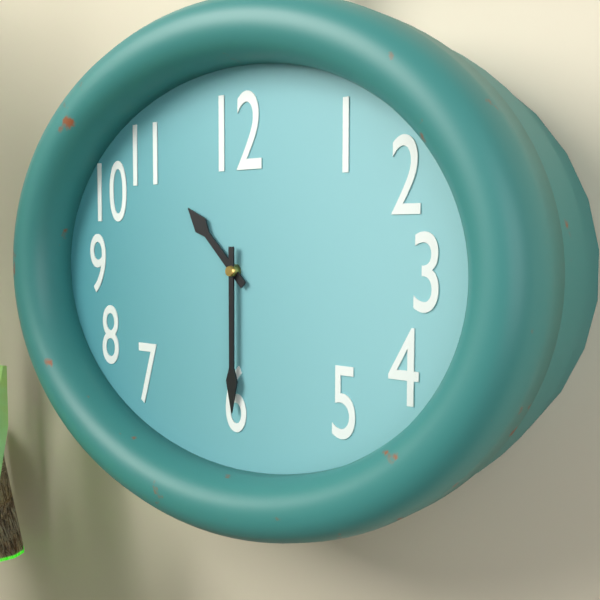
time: 10.30
